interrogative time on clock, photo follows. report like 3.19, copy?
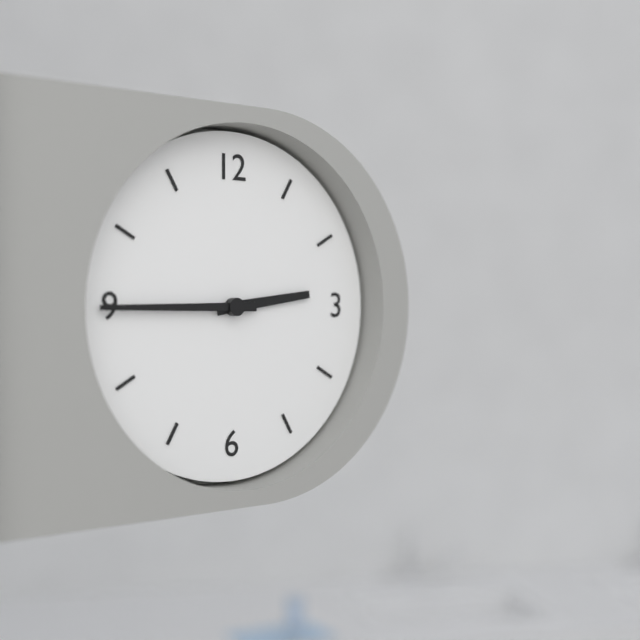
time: 2.45
